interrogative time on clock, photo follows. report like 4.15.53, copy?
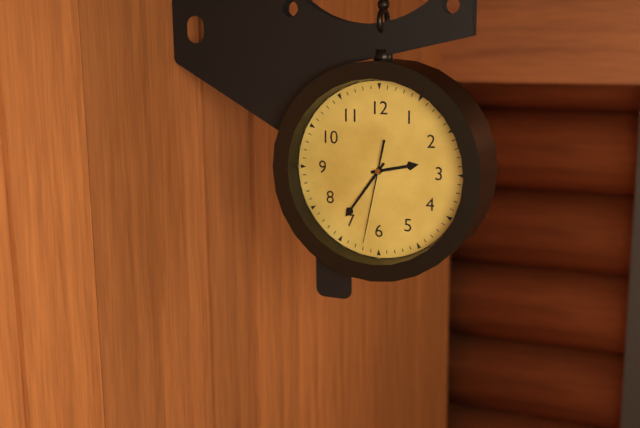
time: 2.36.32
